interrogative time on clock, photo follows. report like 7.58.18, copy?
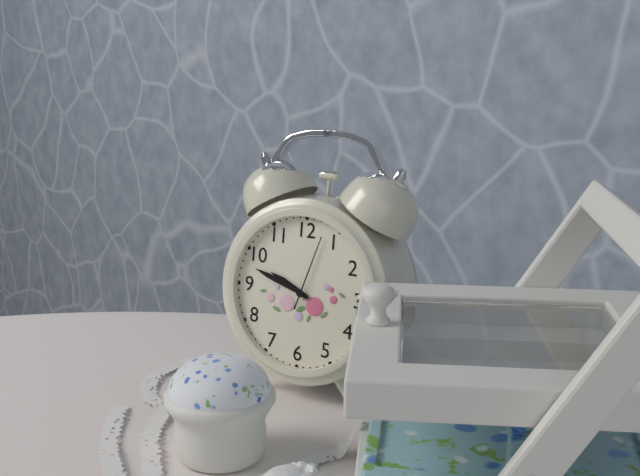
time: 9.48.03
